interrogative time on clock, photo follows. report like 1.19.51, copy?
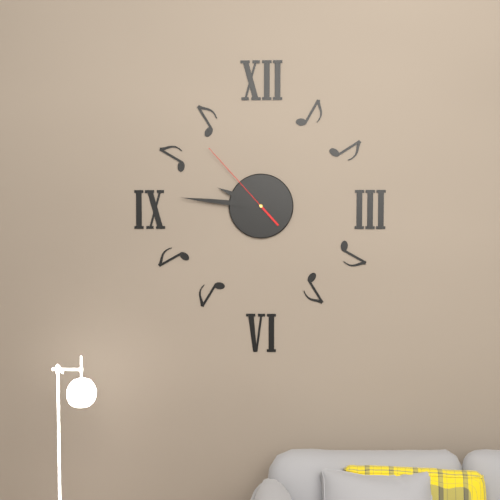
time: 9.46.53
